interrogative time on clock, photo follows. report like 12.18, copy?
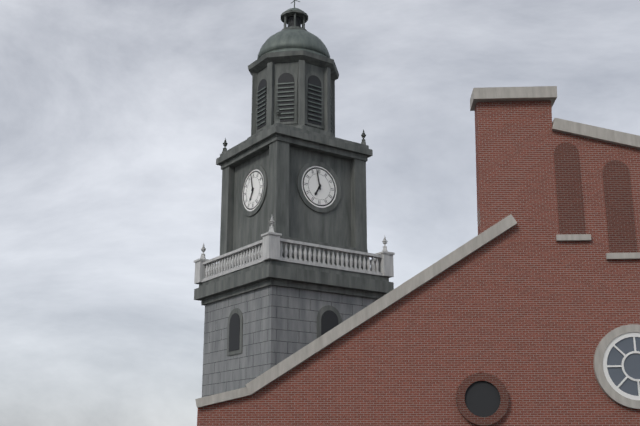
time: 6.58
